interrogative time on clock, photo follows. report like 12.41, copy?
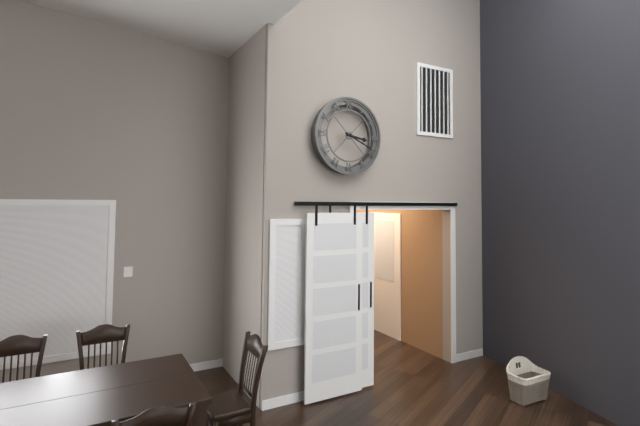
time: 3.19
